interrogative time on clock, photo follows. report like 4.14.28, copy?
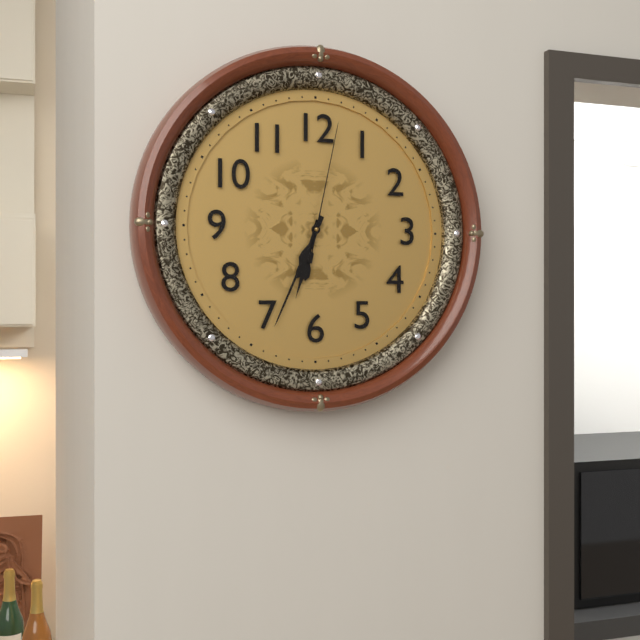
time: 6.34.02
